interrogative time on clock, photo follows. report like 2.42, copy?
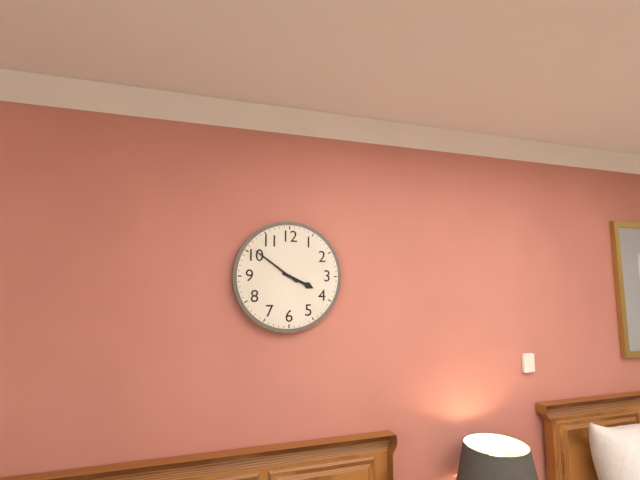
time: 3.51
